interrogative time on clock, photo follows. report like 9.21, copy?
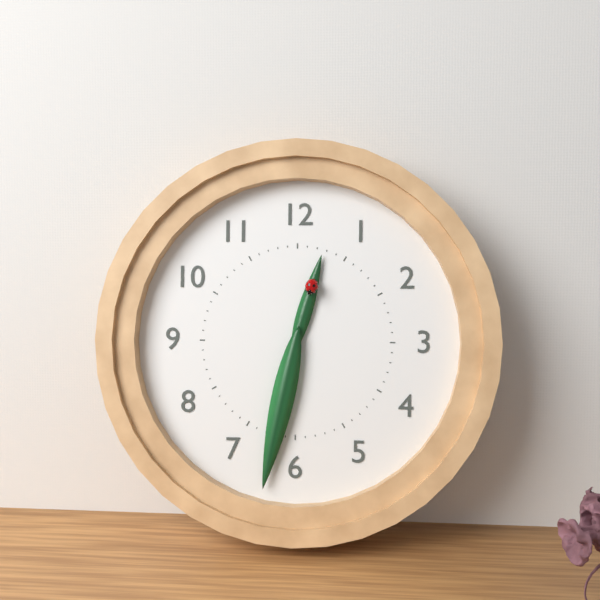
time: 12.32
